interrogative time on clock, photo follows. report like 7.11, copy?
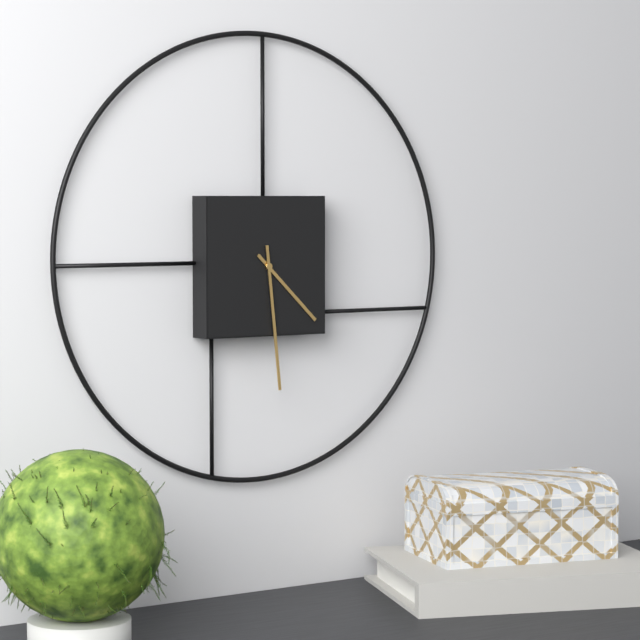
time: 4.29
